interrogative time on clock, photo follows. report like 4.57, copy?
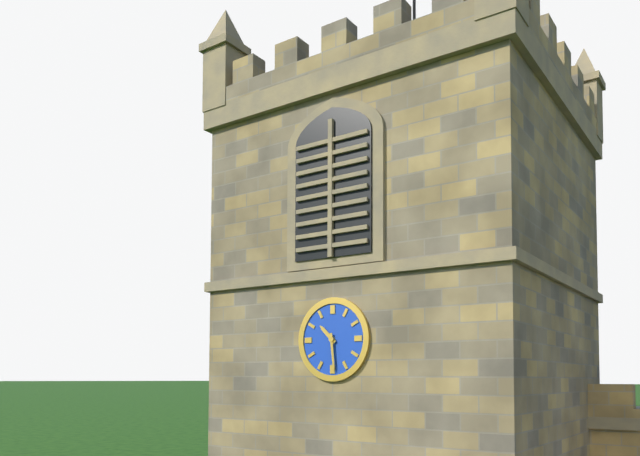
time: 10.29
